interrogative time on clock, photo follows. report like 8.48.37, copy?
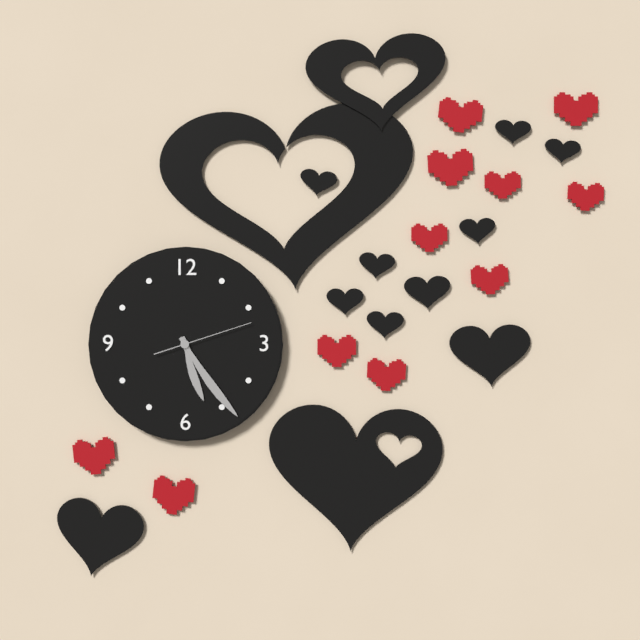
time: 5.24.12
